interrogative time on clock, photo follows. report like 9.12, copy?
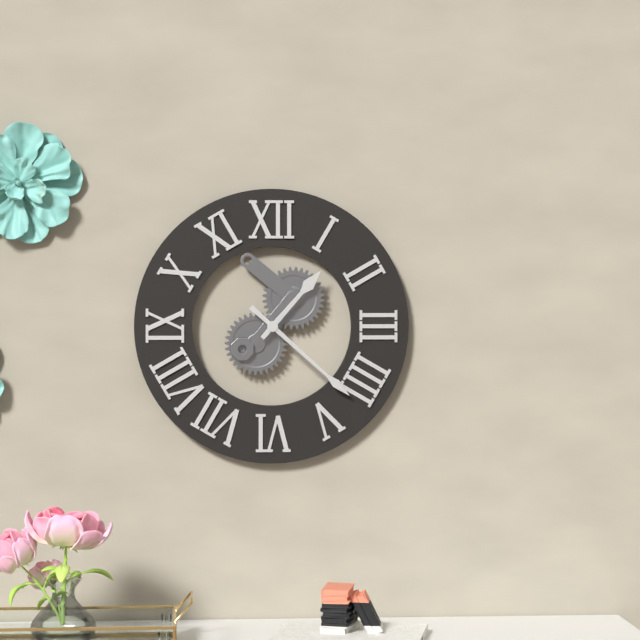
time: 1.22
